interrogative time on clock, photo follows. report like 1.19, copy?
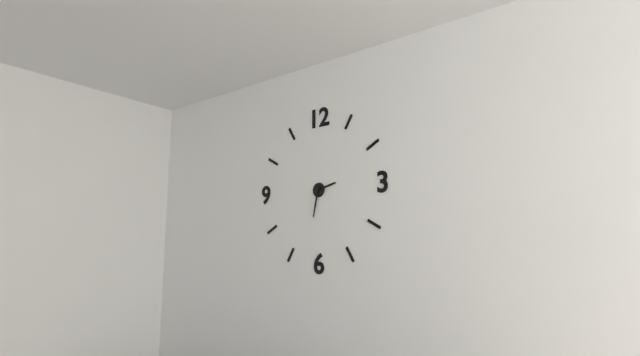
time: 2.32
